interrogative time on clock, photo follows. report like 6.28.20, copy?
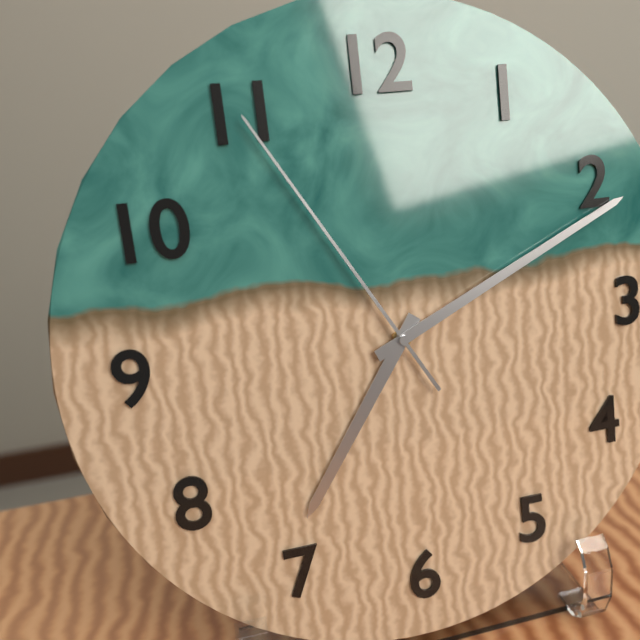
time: 7.11.55
